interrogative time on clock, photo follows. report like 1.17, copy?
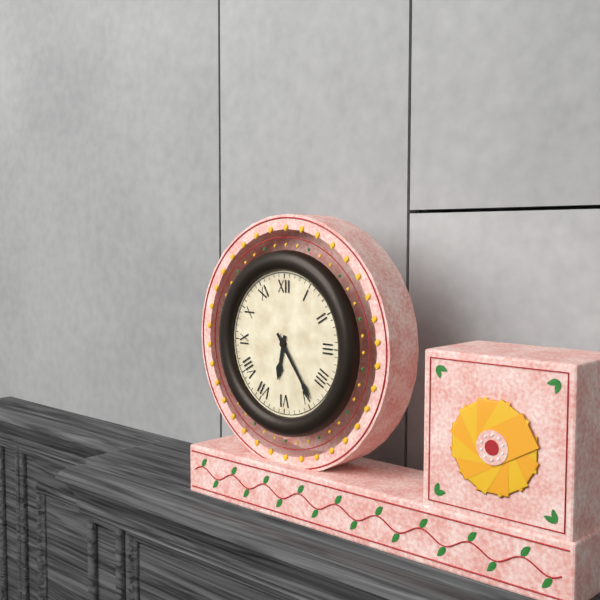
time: 6.24
